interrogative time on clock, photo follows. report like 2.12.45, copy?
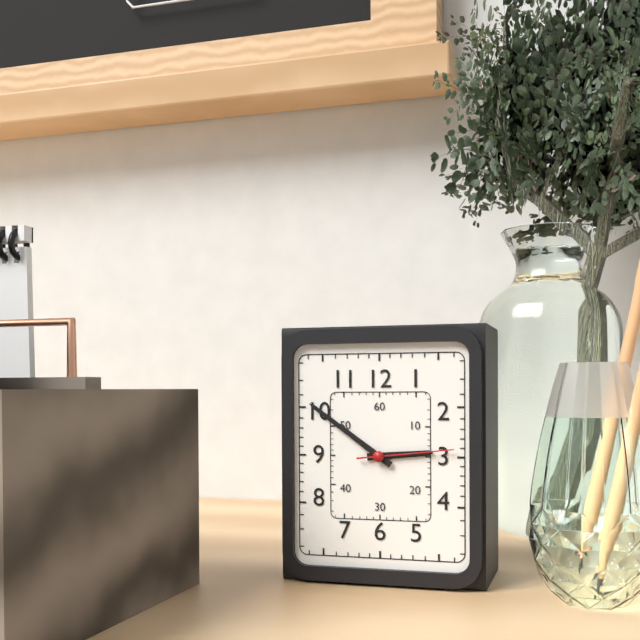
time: 2.51.14
